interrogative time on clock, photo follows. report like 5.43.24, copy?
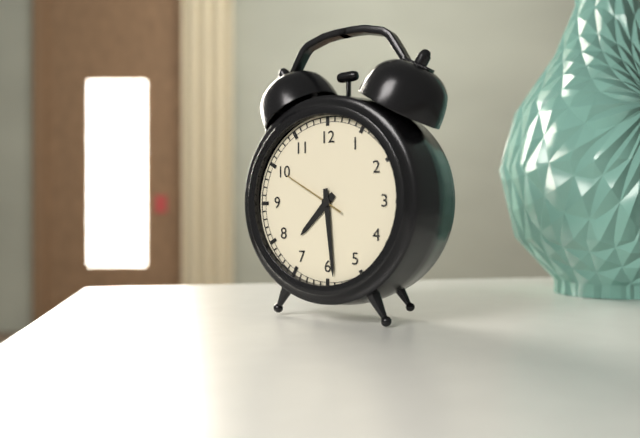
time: 7.29.50
